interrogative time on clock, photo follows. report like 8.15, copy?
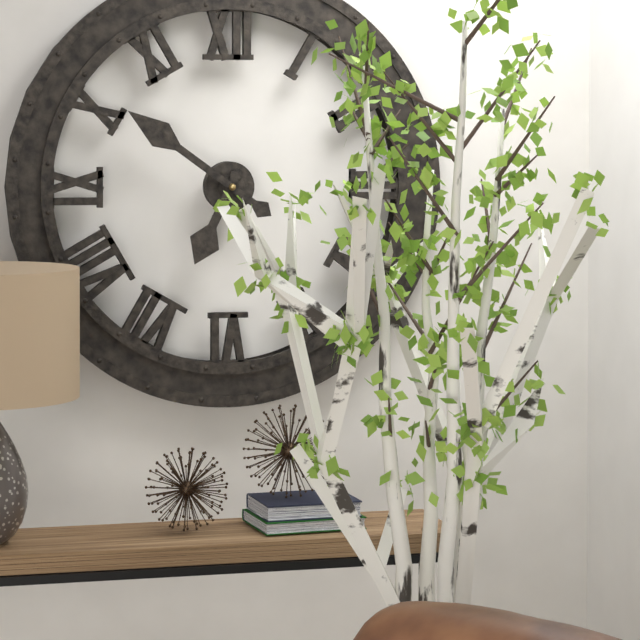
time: 6.51
